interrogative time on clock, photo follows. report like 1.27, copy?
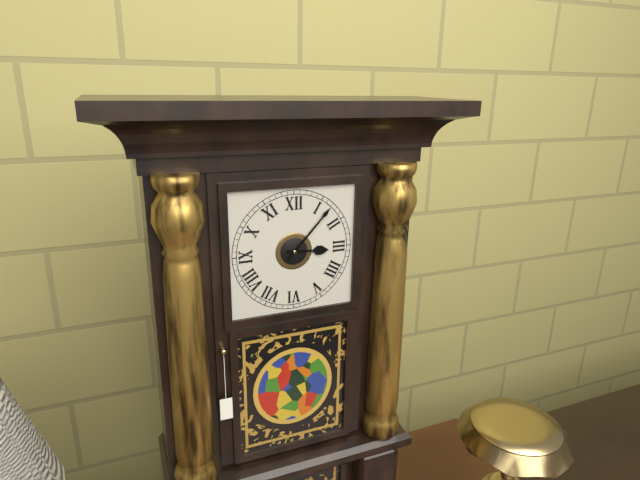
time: 3.07
